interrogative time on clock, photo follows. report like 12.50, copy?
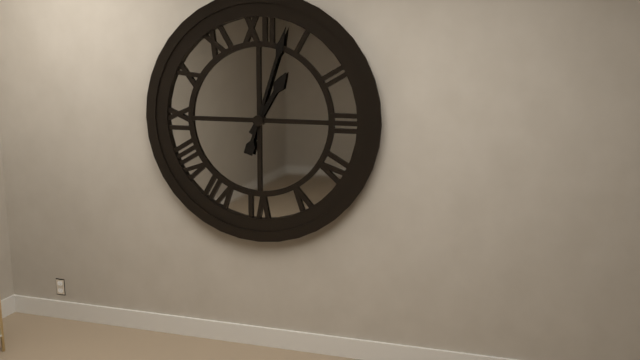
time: 1.03
